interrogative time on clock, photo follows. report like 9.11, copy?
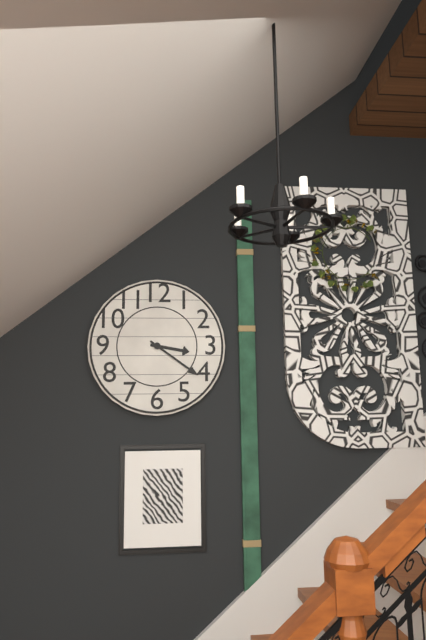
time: 3.21
